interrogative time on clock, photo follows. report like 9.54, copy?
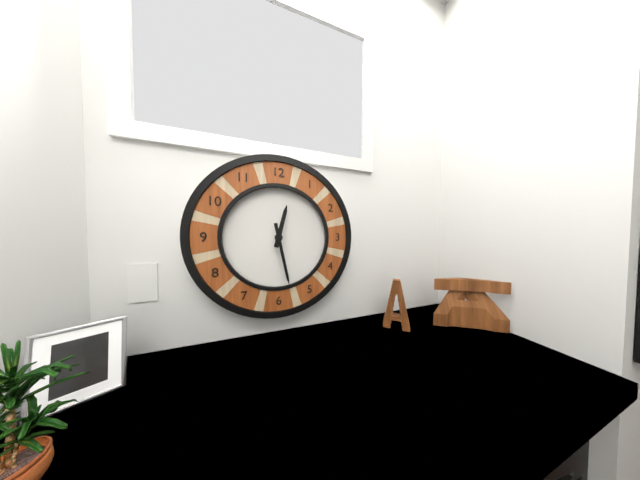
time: 12.28
